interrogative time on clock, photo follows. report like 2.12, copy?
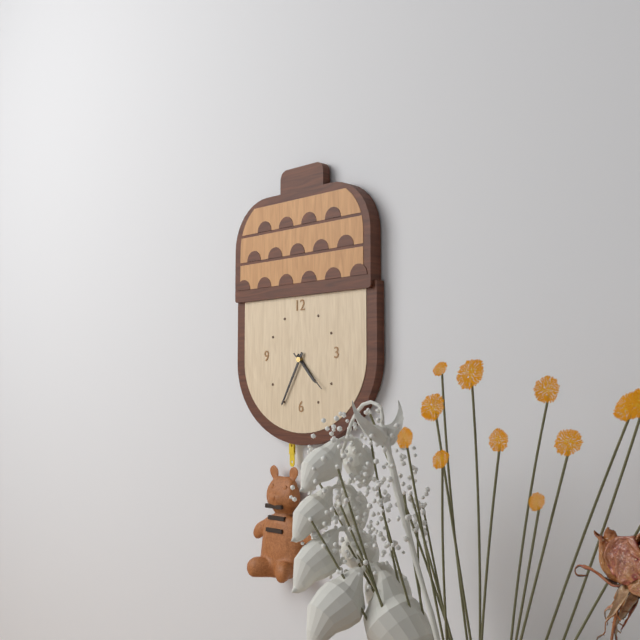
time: 4.35
